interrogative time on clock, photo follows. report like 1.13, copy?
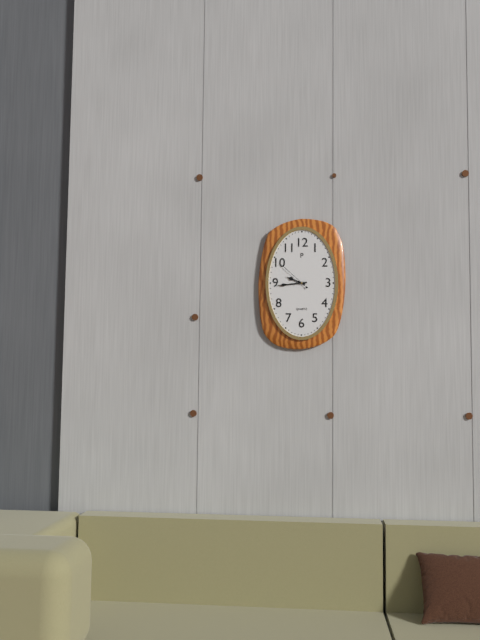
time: 9.44
